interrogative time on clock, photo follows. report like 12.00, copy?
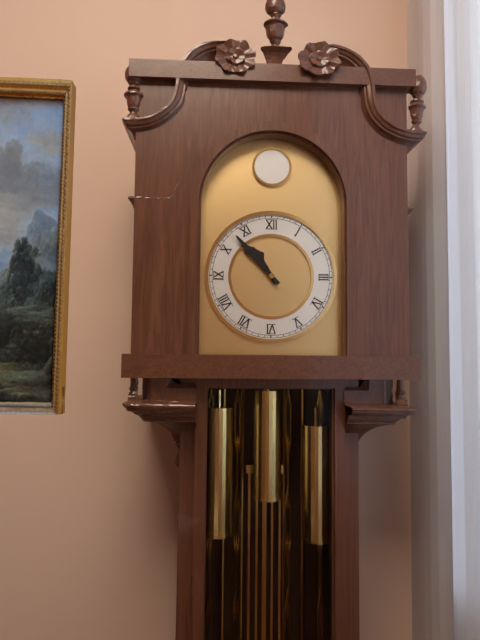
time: 10.53
